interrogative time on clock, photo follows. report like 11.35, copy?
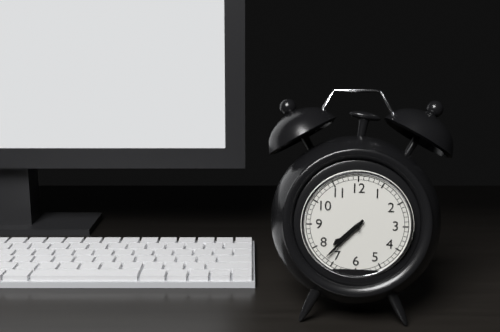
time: 7.37
